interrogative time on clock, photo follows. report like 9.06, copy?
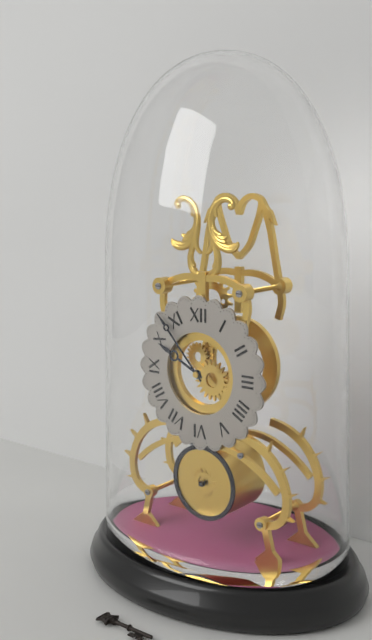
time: 9.53
